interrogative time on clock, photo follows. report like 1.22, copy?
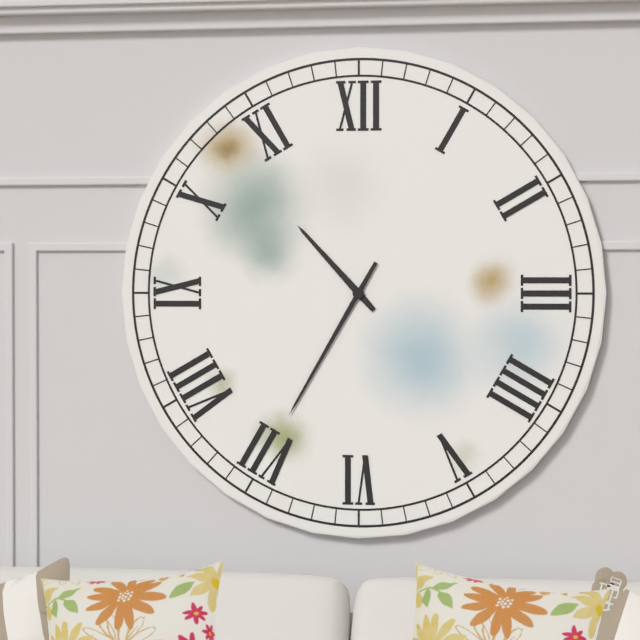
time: 10.35
